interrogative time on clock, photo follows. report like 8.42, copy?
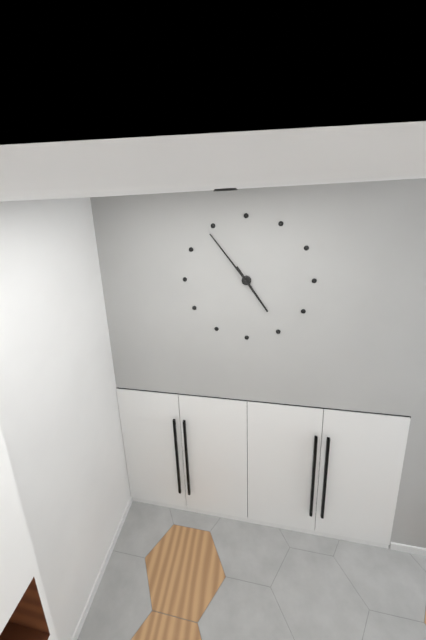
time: 4.54
